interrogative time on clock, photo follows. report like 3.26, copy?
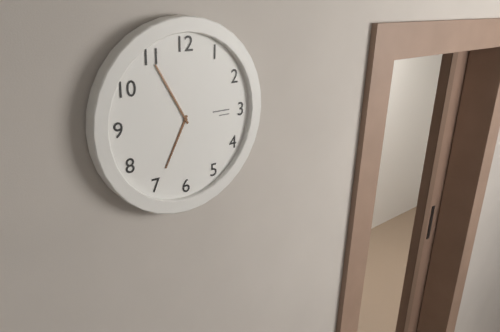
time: 6.55
